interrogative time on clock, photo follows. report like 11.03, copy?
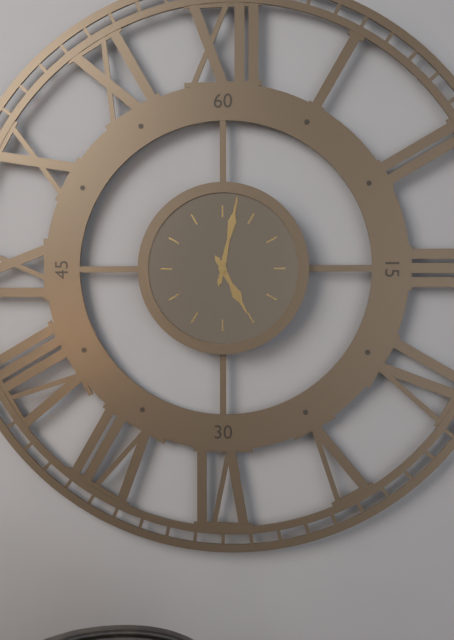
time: 5.02
